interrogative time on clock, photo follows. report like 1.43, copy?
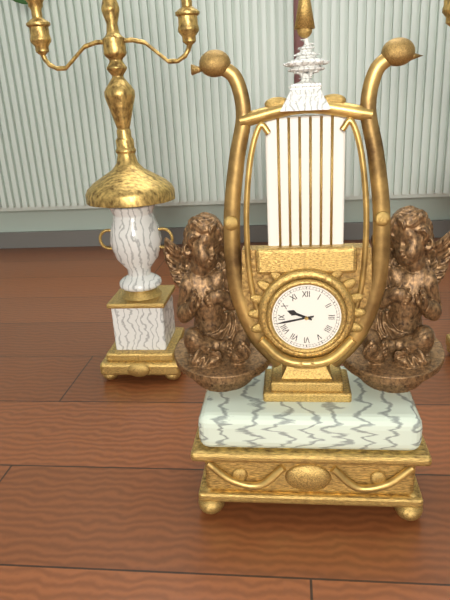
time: 9.43
